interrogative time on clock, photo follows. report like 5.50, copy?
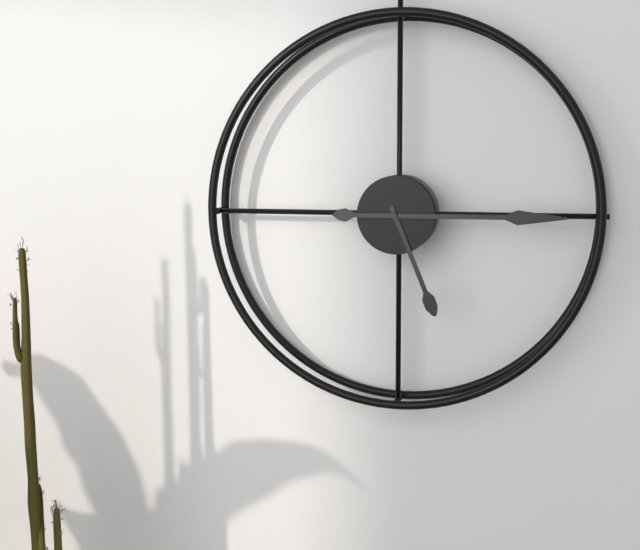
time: 5.15
